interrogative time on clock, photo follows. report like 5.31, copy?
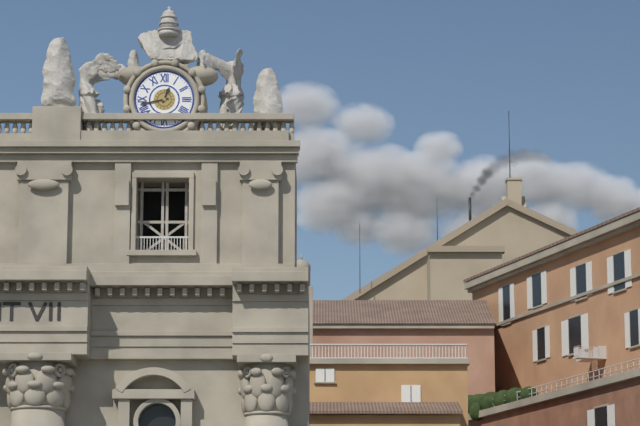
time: 12.43
